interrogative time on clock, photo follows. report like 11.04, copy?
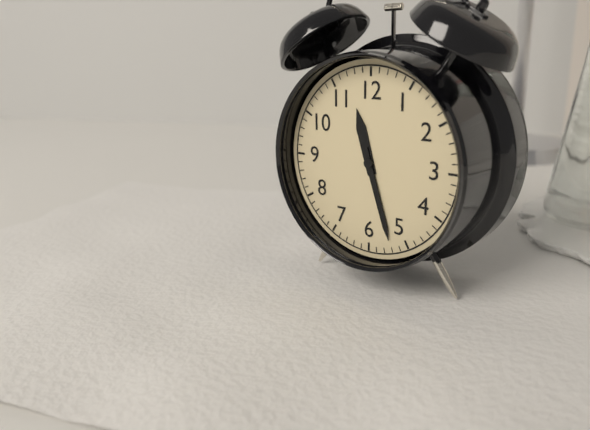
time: 11.27
